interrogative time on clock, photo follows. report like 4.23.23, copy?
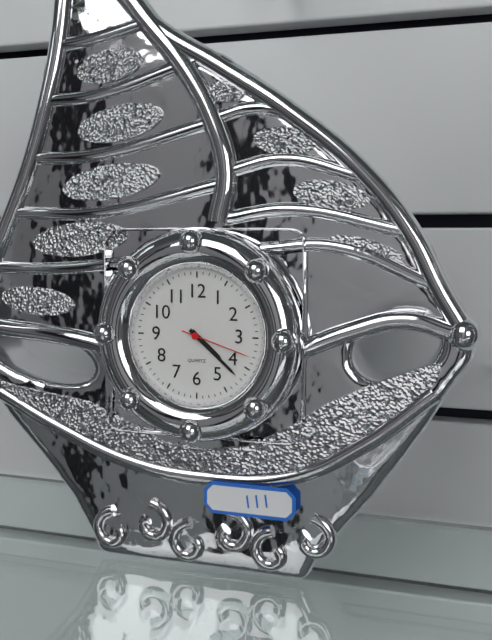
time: 4.22.18
